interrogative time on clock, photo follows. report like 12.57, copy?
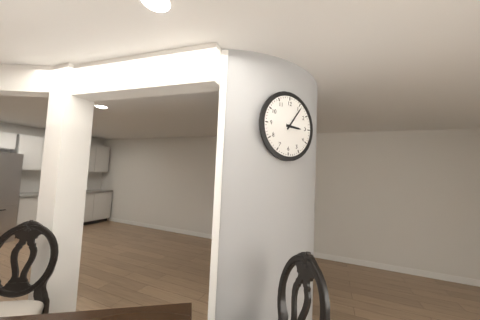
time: 3.06
